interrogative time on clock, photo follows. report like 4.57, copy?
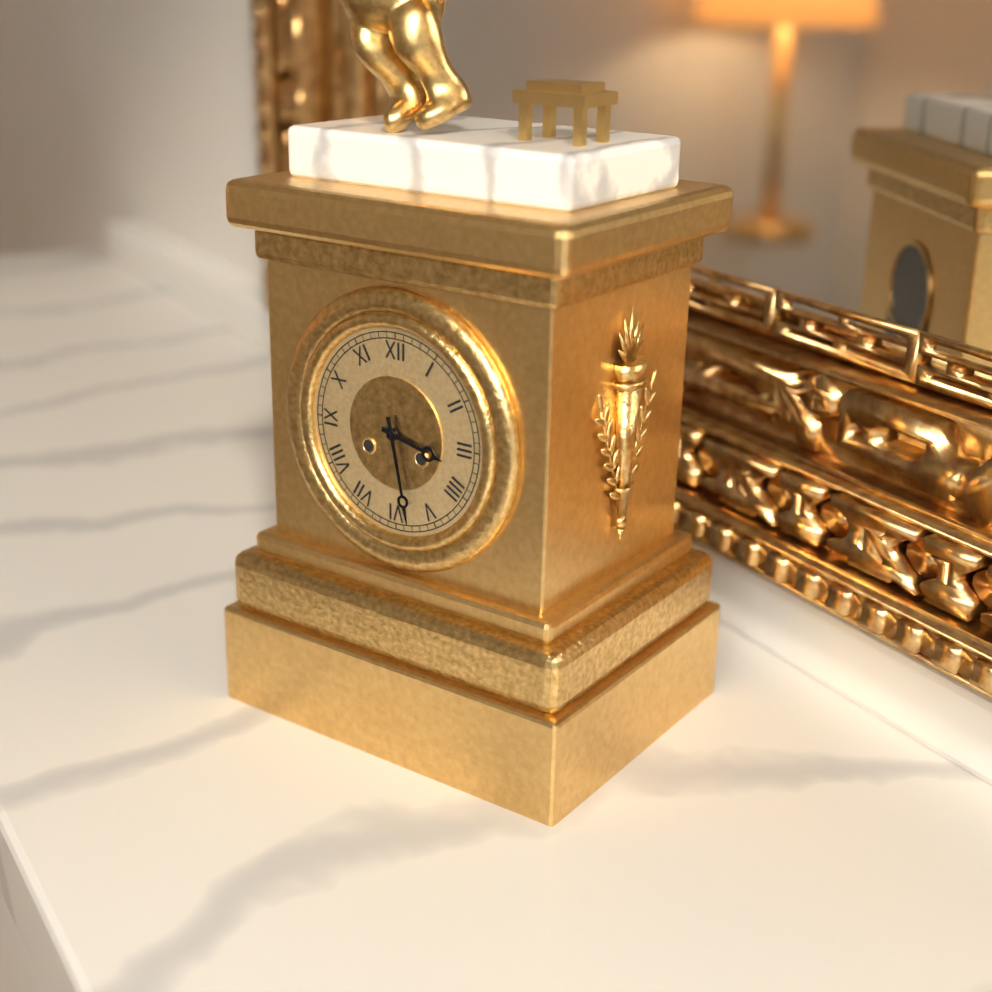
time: 3.28
